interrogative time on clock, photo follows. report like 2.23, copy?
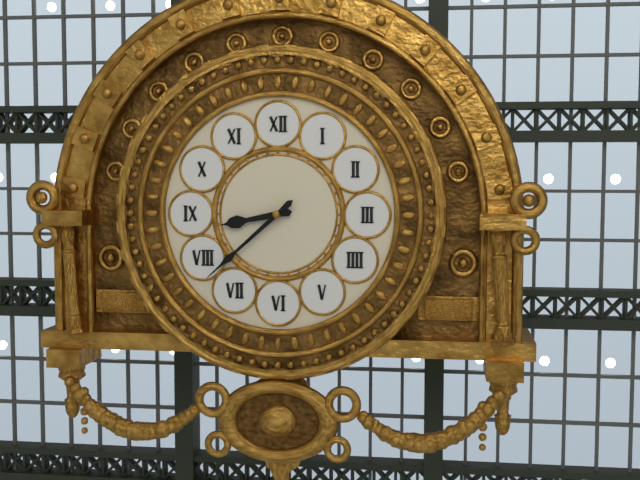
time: 8.38
